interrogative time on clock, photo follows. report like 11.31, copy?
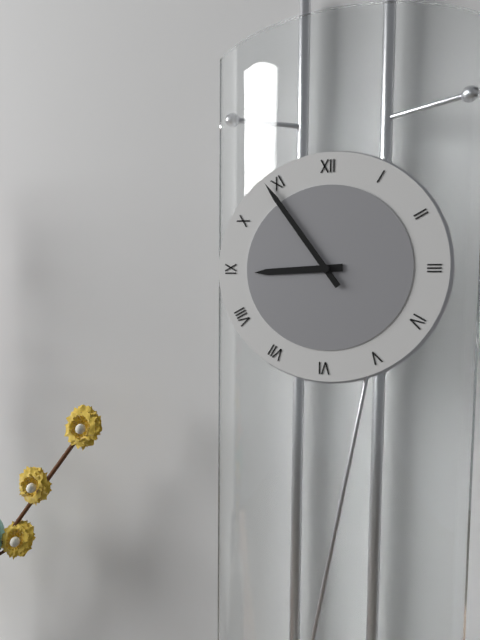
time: 8.54
